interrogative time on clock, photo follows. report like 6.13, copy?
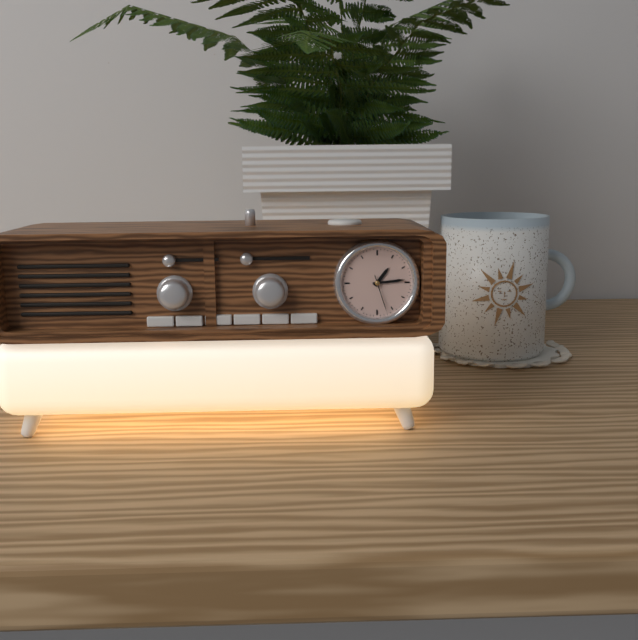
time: 1.14
